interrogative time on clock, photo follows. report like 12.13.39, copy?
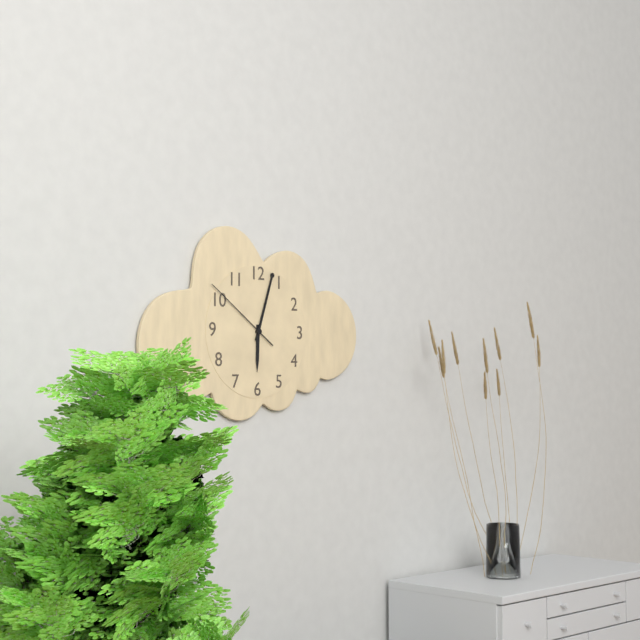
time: 6.03.51
